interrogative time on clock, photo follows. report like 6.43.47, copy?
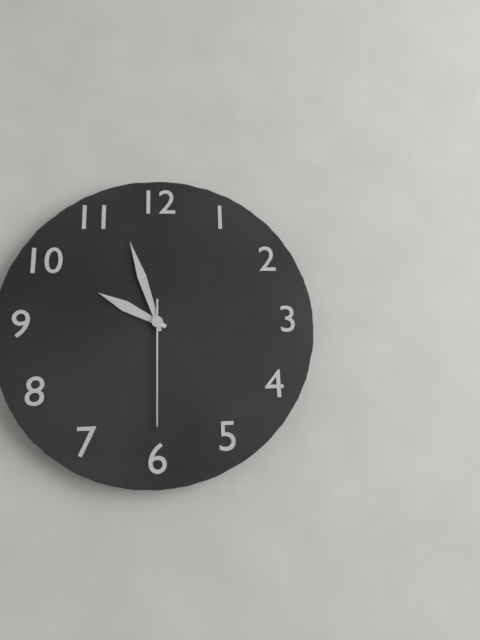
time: 9.57.30
